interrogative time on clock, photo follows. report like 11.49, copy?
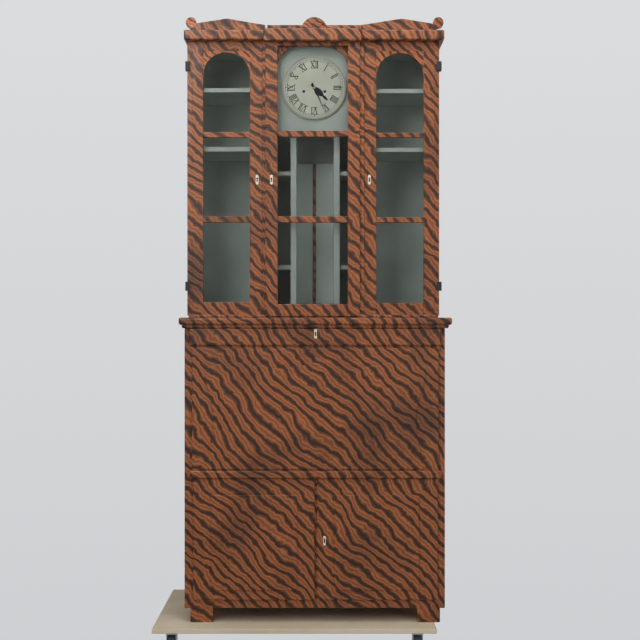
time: 4.26
